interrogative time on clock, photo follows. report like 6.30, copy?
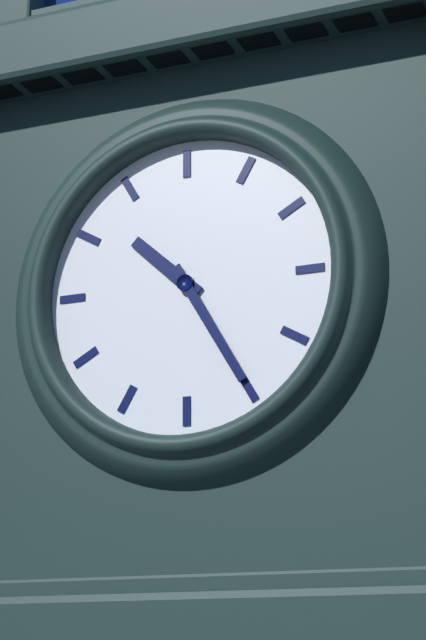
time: 10.25
